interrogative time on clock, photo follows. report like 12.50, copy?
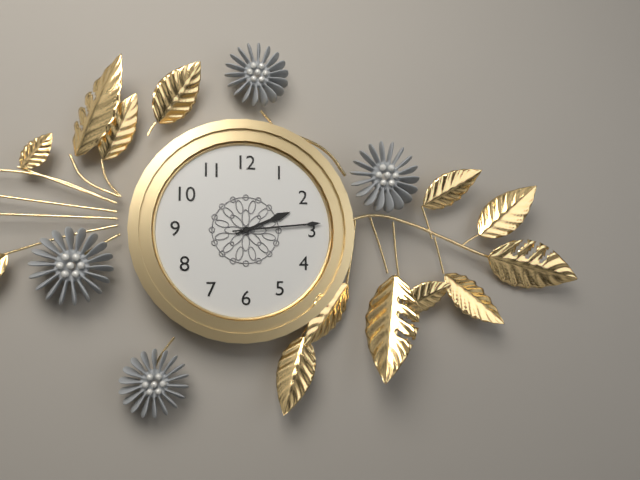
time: 2.14
